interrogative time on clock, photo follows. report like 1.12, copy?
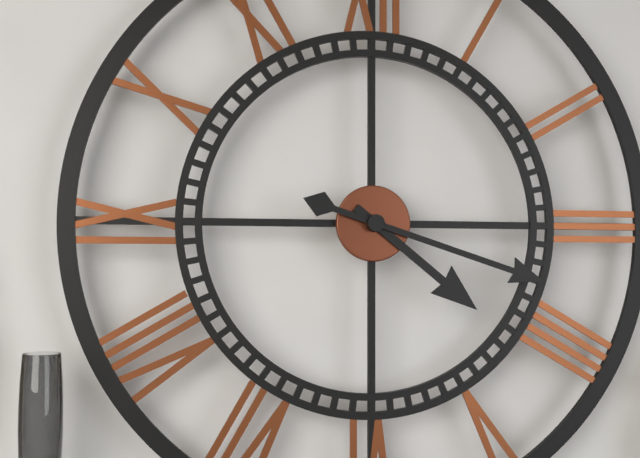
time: 4.18
